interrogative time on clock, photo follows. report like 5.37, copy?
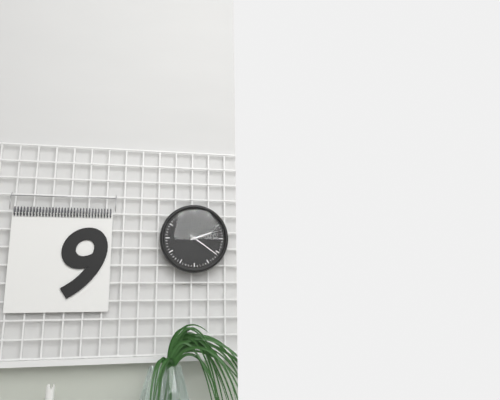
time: 2.21
